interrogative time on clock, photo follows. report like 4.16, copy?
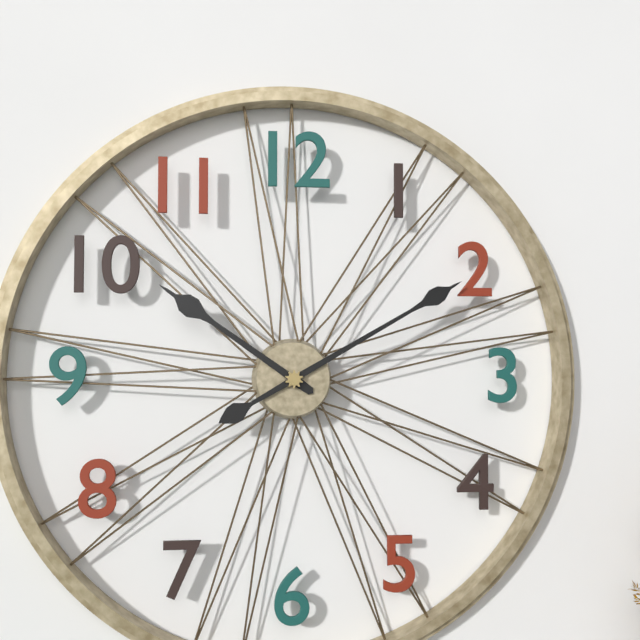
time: 10.10
